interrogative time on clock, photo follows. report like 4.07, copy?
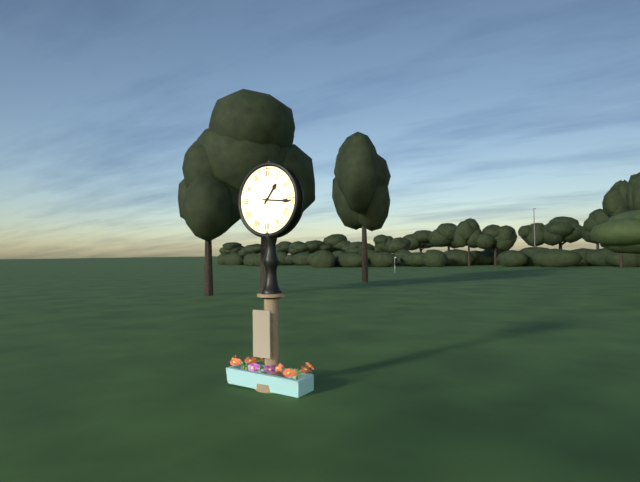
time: 1.16
